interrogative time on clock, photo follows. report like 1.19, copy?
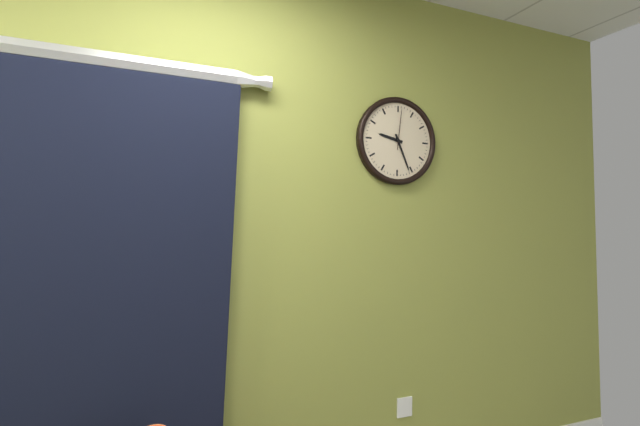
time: 9.26
